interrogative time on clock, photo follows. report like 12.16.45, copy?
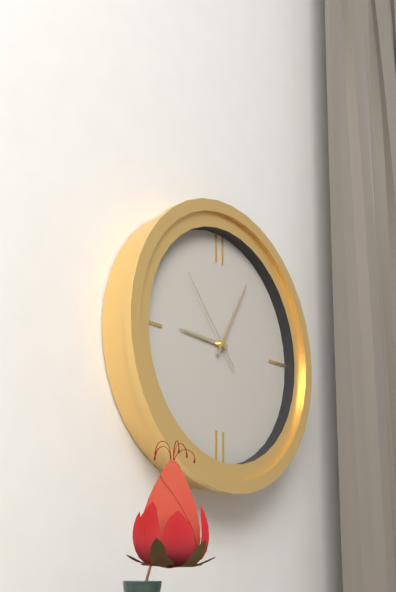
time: 9.05.53
